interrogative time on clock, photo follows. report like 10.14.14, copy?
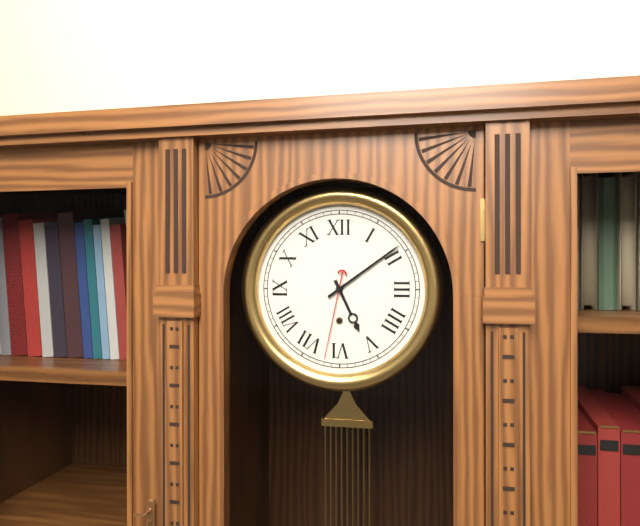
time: 5.09.32
